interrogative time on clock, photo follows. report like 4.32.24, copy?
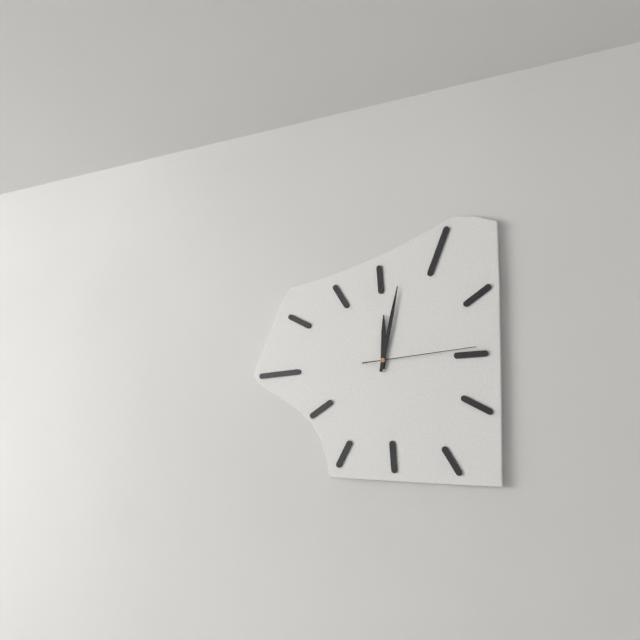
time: 12.02.14
